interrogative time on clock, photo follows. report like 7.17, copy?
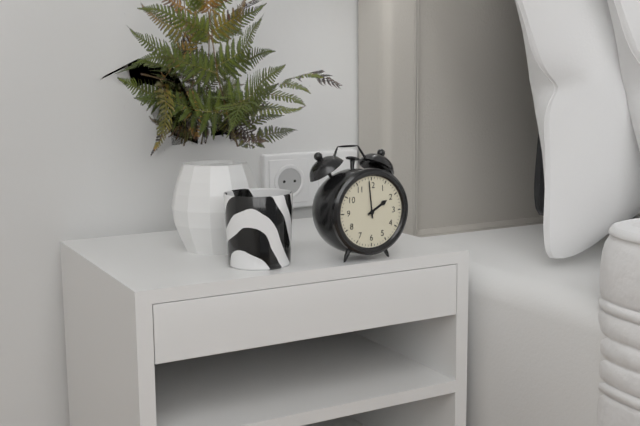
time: 1.59
